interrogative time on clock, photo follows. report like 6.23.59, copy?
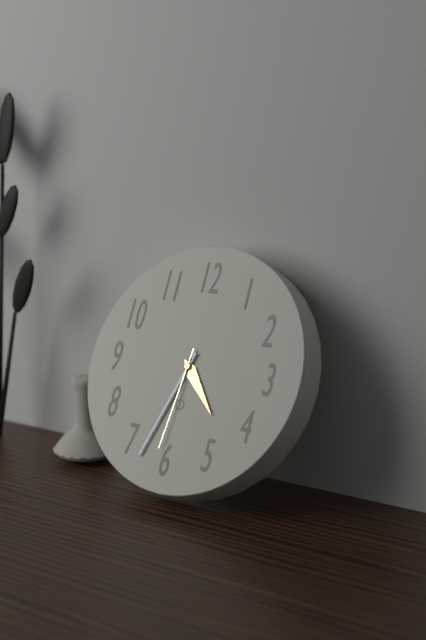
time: 4.33.31
